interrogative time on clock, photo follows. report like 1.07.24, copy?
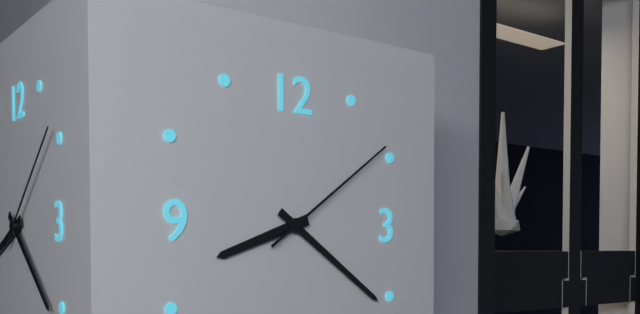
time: 8.21.09
